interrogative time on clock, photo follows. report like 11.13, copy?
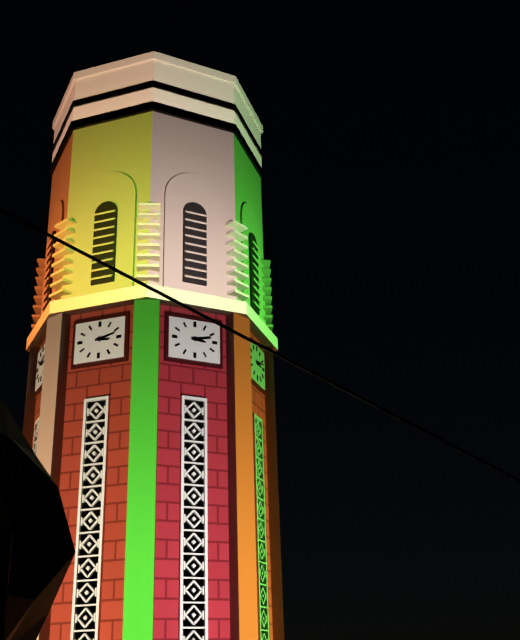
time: 3.13
